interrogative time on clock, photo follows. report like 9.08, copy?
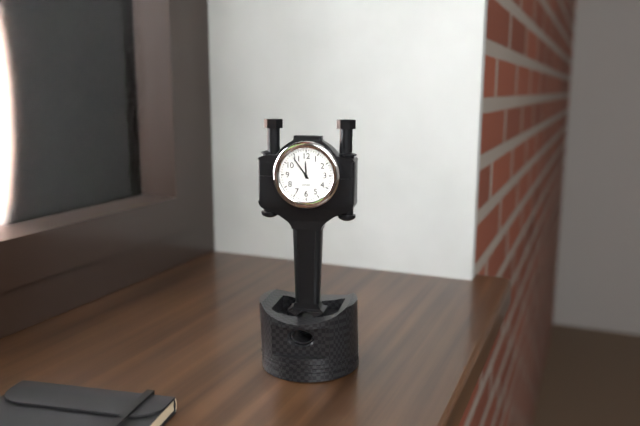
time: 11.54
